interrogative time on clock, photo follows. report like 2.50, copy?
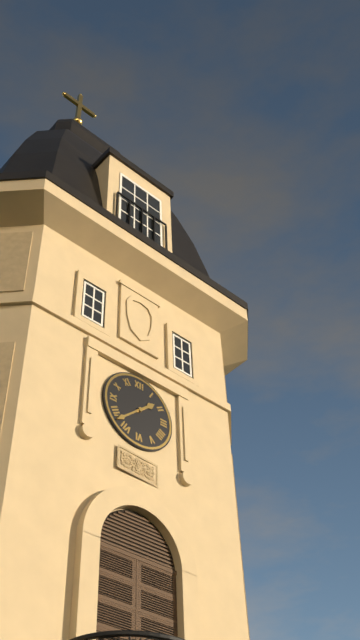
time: 1.38
